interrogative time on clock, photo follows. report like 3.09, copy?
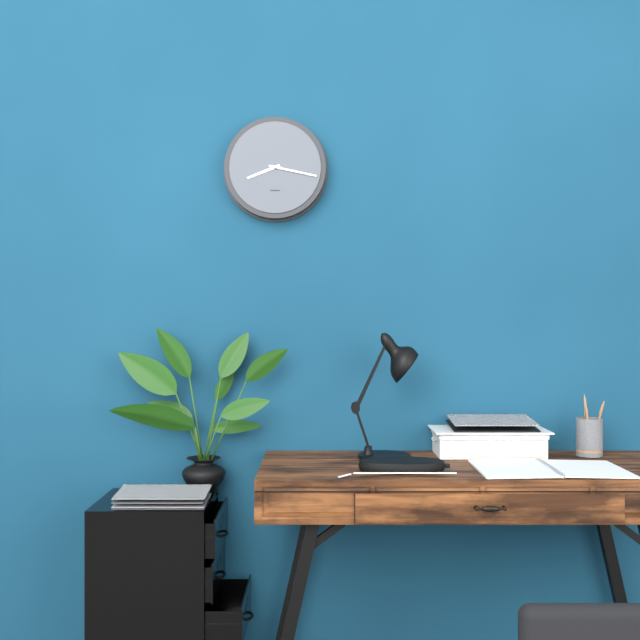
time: 8.17
